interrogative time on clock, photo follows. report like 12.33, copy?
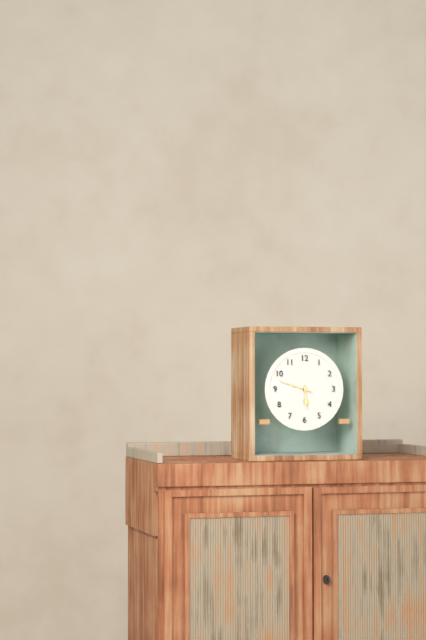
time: 5.48
